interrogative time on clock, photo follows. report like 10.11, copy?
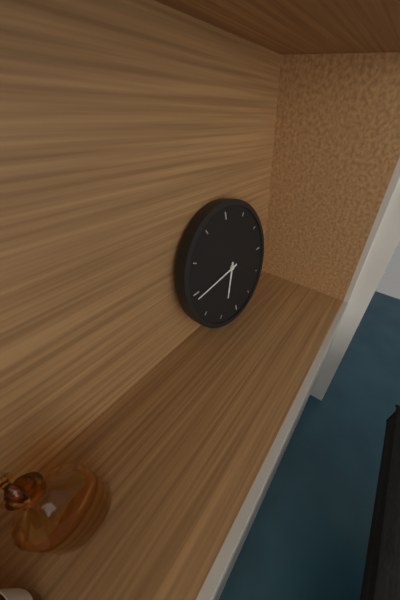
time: 6.44
